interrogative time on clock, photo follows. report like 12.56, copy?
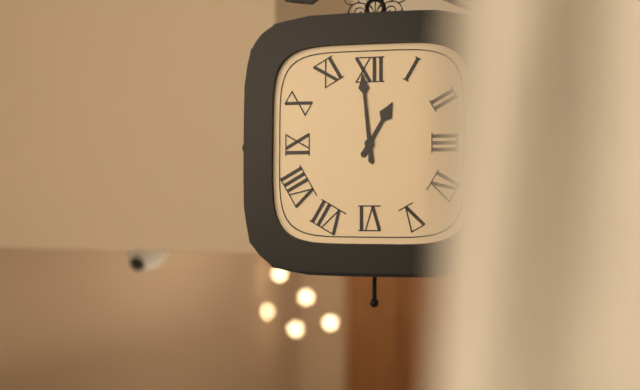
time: 12.59
